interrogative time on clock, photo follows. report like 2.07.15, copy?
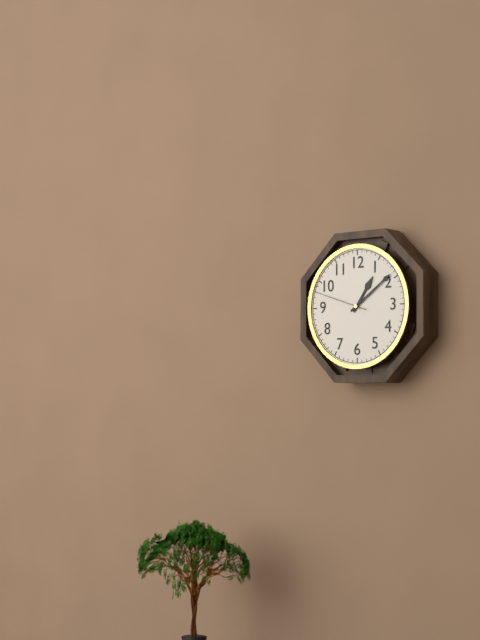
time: 1.09.48
